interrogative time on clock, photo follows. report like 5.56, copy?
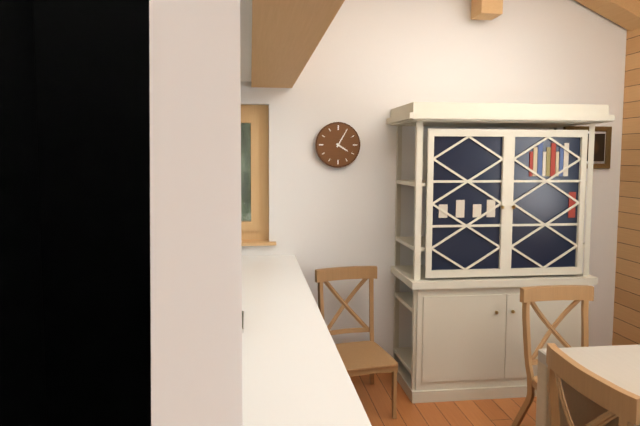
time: 4.05
